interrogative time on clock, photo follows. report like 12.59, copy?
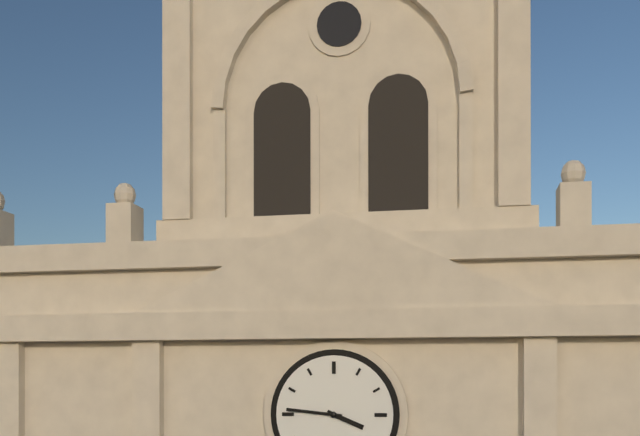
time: 3.46
